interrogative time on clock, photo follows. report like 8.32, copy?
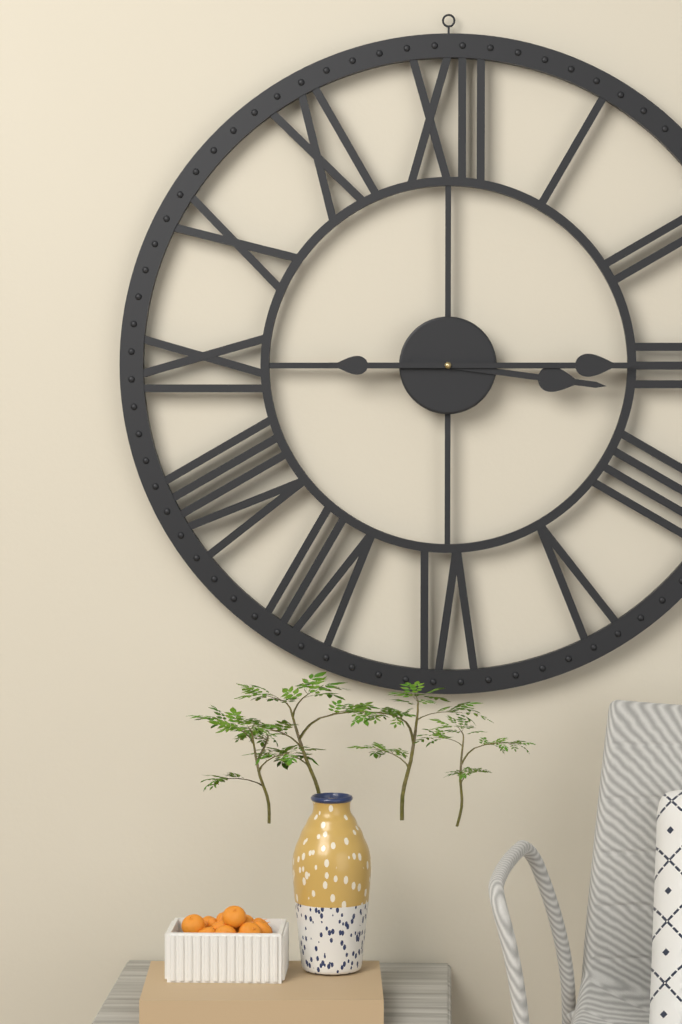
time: 3.15
